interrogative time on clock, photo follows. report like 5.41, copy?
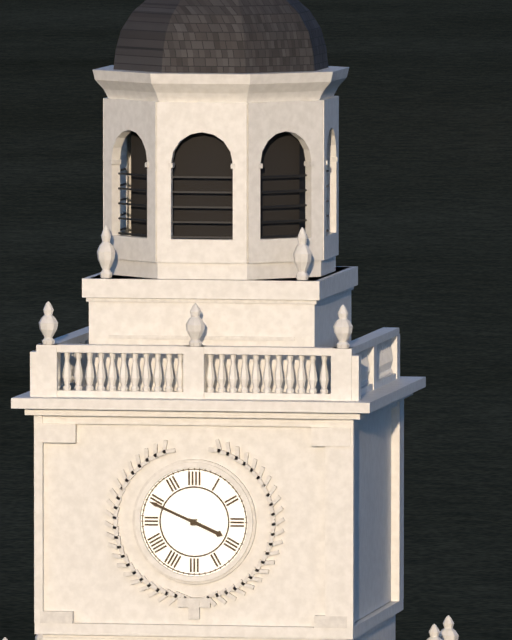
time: 3.49
